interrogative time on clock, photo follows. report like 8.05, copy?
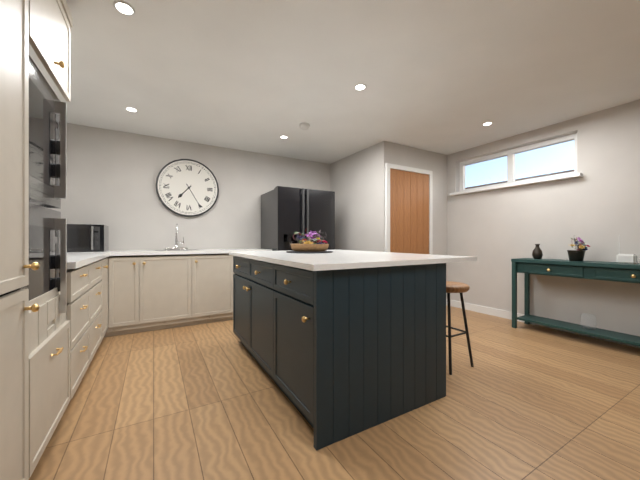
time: 7.25
